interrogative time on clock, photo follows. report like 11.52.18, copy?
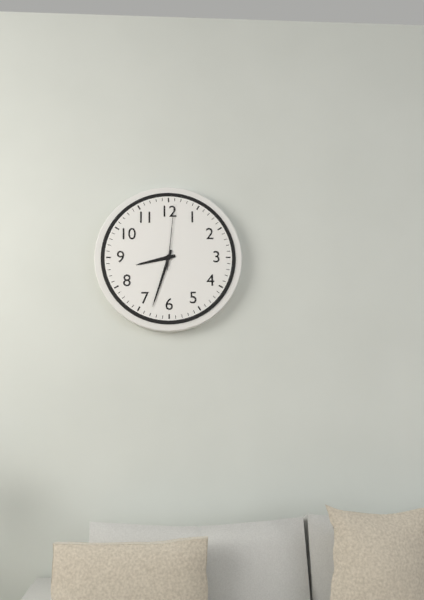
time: 8.33.01
